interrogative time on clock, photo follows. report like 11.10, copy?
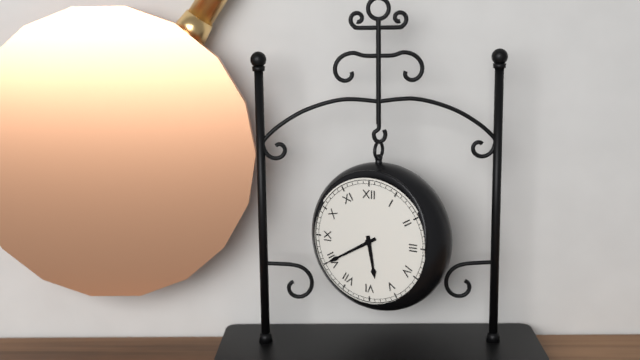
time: 5.40
